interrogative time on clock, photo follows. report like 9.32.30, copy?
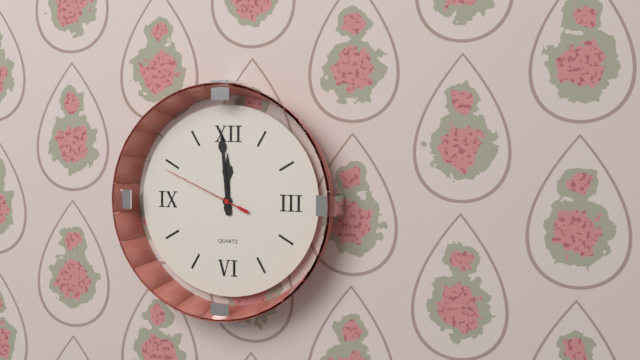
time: 11.59.49
